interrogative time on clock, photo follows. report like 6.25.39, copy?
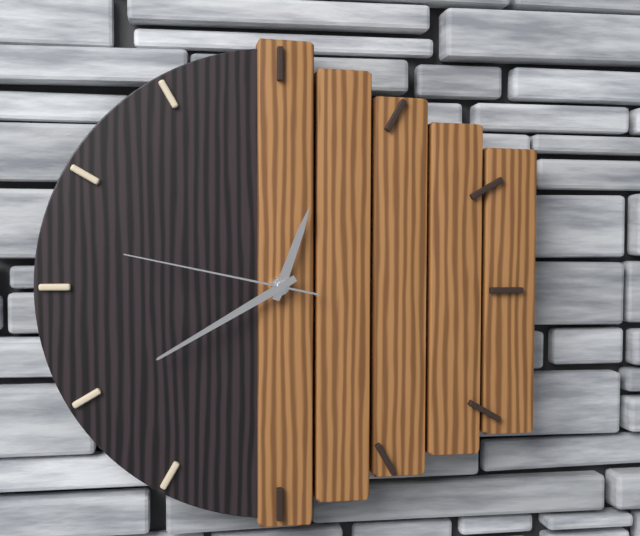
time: 12.40.47
